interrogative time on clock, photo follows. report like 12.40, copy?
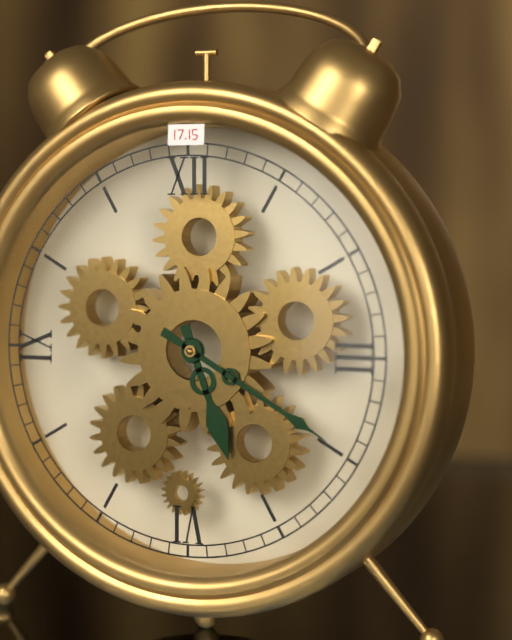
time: 5.20
